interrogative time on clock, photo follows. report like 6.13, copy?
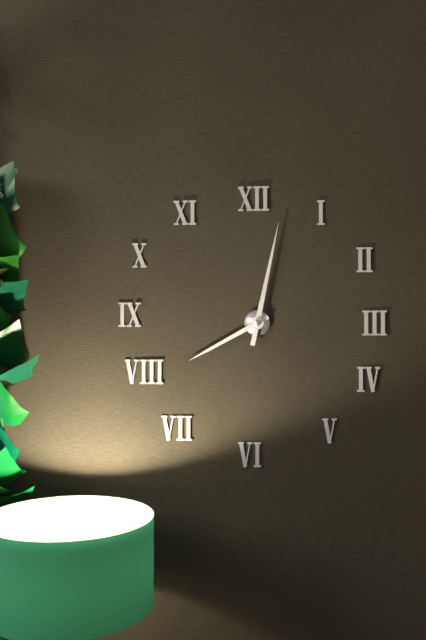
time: 8.02
